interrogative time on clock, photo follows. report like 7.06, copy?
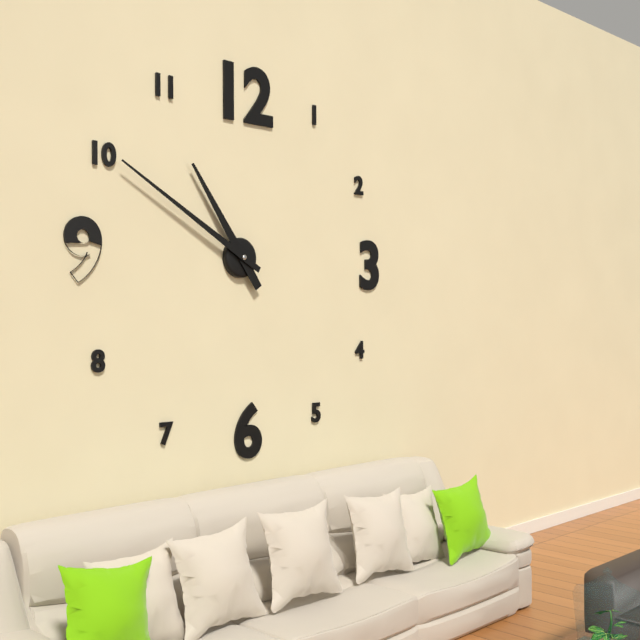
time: 10.50
